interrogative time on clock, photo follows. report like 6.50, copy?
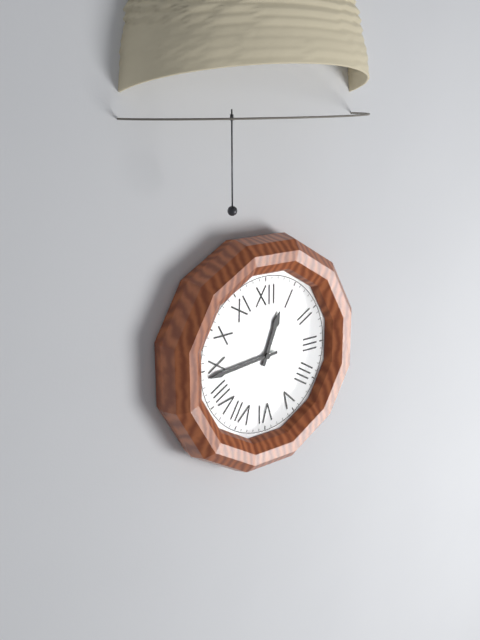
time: 12.44
